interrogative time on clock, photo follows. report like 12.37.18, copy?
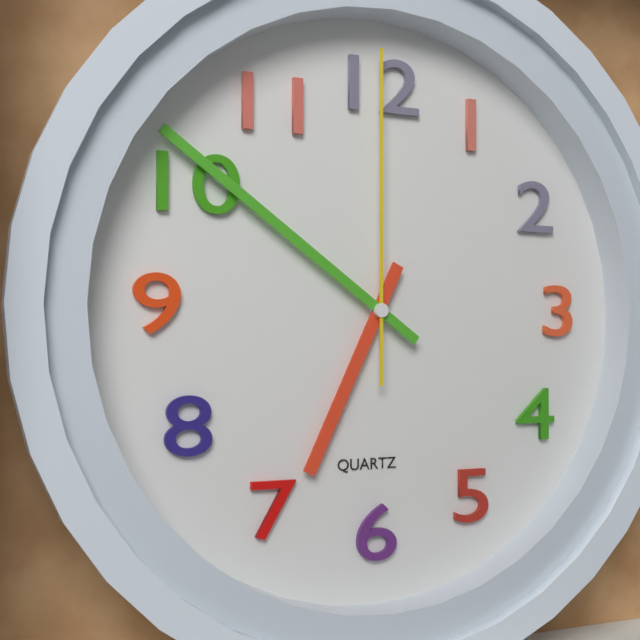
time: 6.51.00
